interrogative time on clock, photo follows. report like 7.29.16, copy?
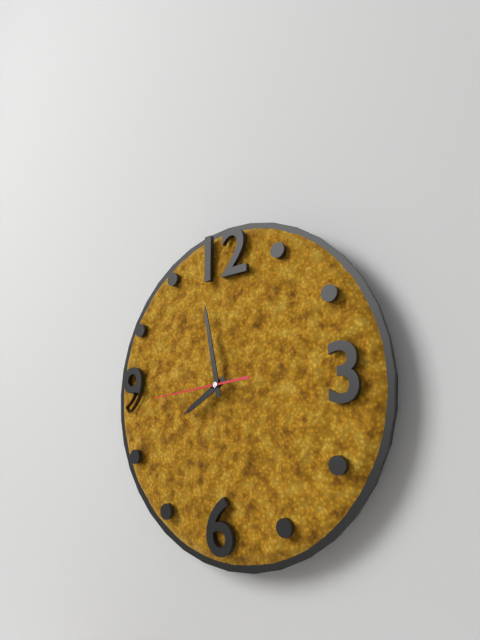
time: 7.58.44
